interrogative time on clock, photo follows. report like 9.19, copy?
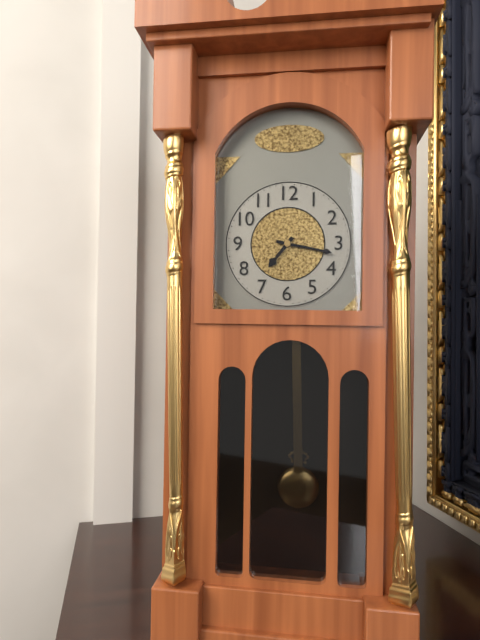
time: 7.17
